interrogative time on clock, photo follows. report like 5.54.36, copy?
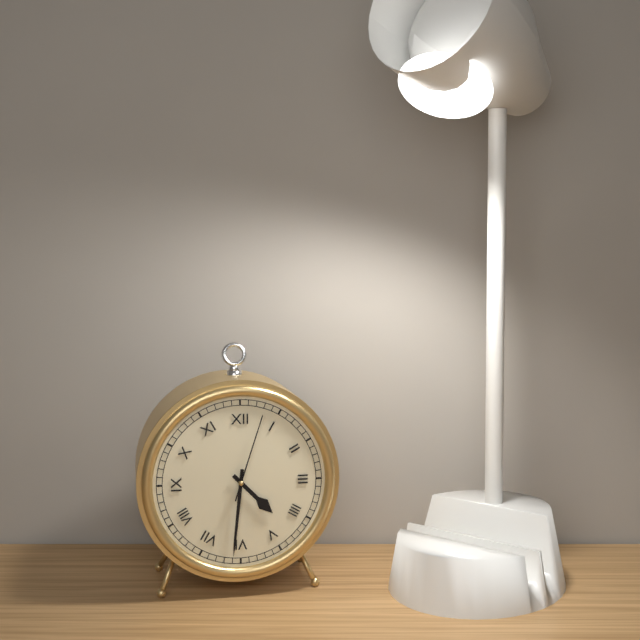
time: 4.31.03
